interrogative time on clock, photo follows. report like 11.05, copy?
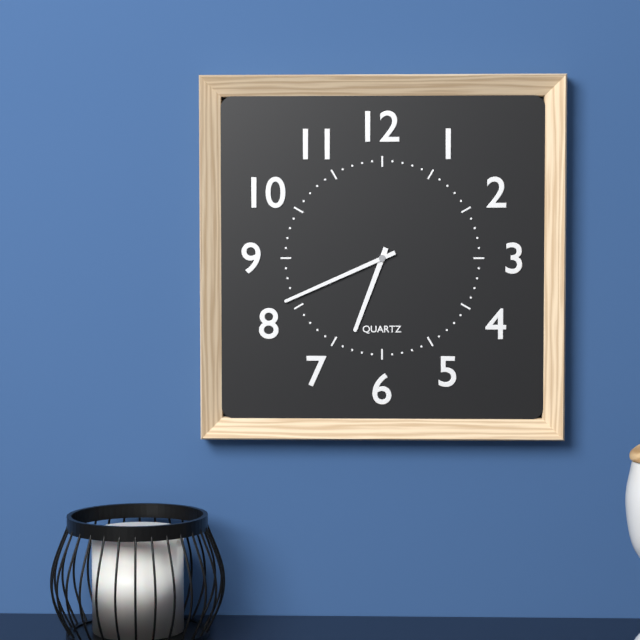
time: 6.41
